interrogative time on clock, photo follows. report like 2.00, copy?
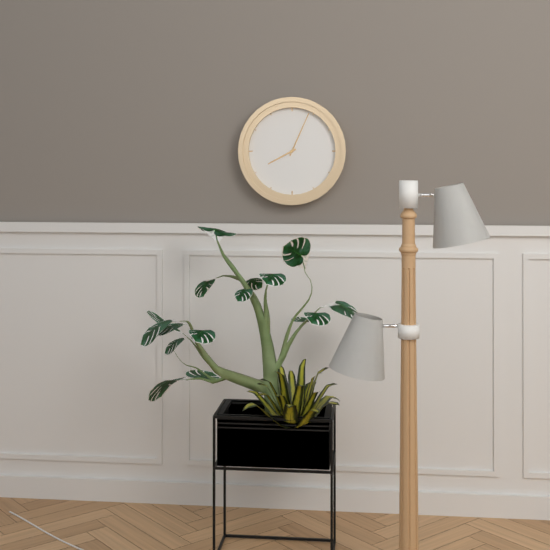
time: 8.04
